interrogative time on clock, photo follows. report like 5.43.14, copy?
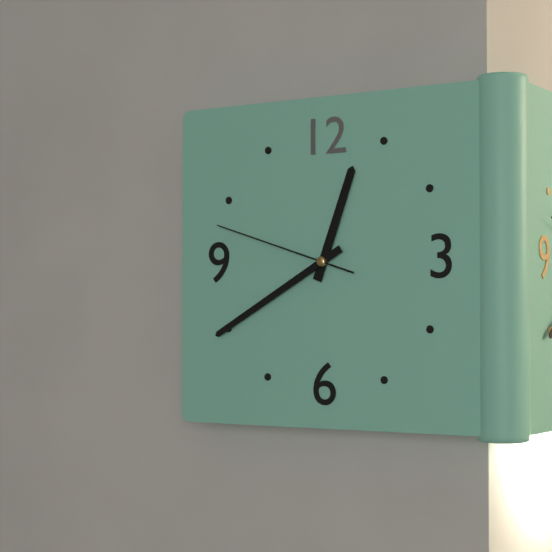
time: 12.40.48
